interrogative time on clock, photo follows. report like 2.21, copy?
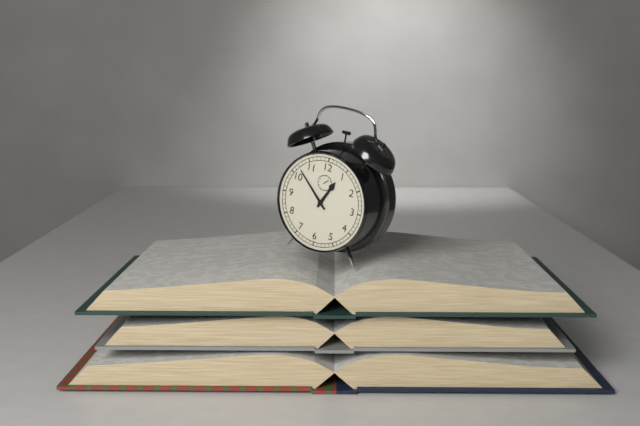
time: 12.52
